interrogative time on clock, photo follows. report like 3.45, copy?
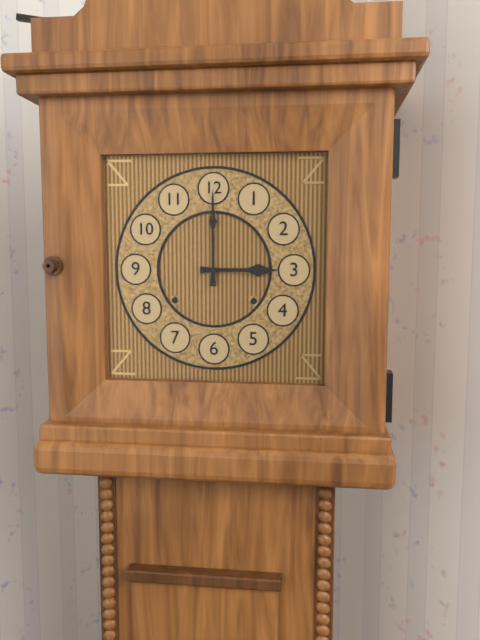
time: 3.00
